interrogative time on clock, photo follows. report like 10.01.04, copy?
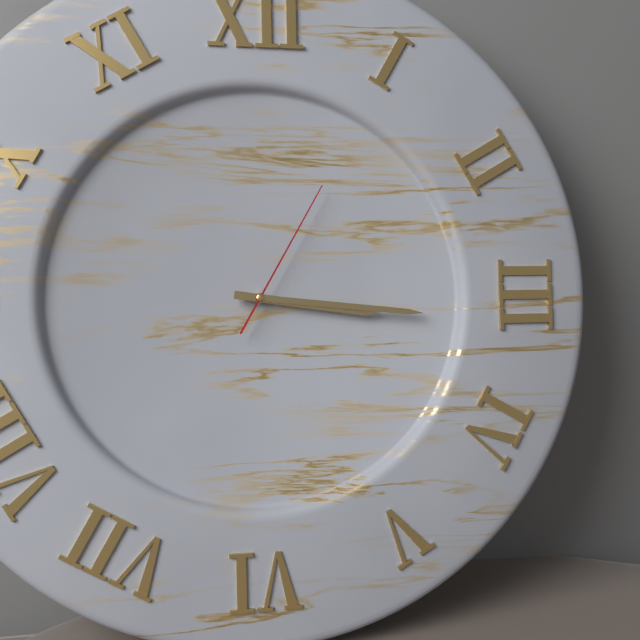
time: 3.16.05
